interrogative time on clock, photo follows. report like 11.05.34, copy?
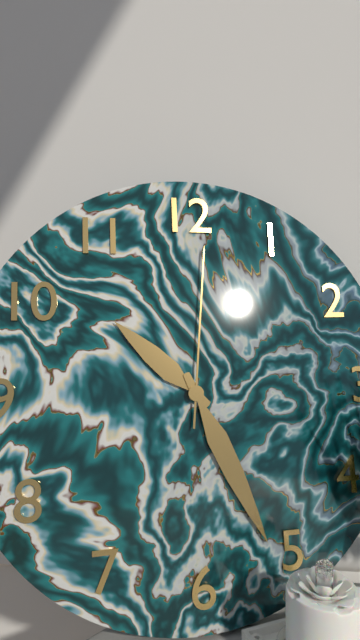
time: 10.26.01
